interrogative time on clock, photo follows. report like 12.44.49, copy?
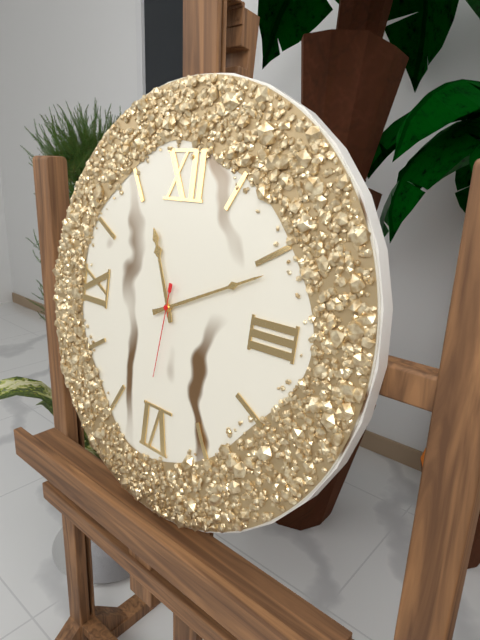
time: 11.11.31
